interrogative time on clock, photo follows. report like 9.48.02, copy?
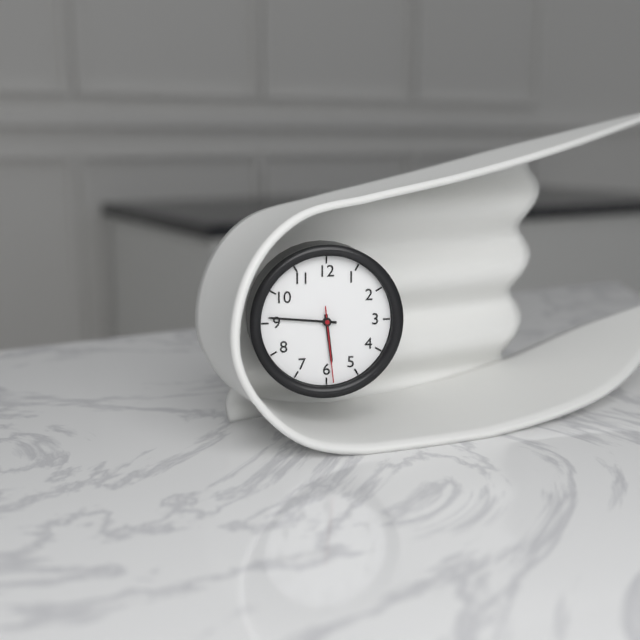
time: 5.46.29
